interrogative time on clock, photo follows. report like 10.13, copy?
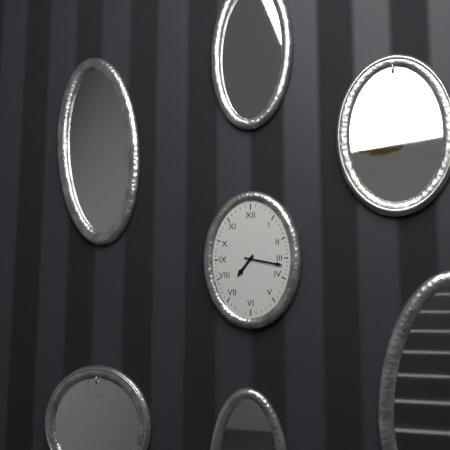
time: 7.17
